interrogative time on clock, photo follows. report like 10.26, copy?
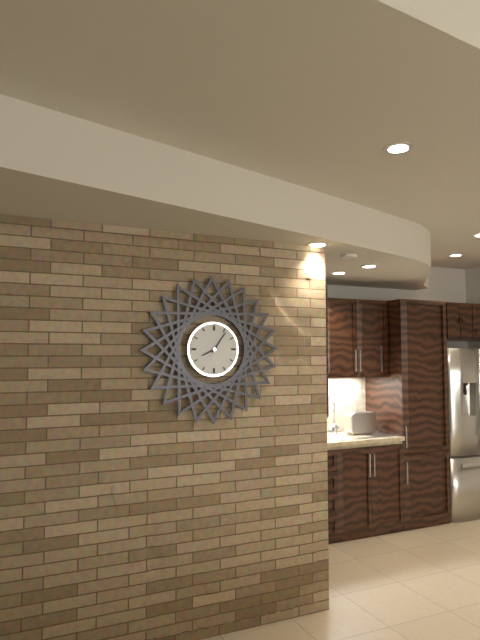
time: 8.06
